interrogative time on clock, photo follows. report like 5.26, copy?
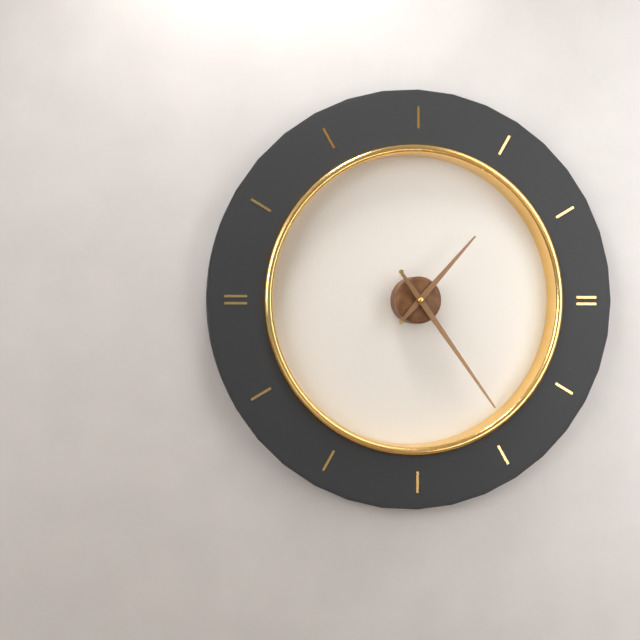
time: 1.24
